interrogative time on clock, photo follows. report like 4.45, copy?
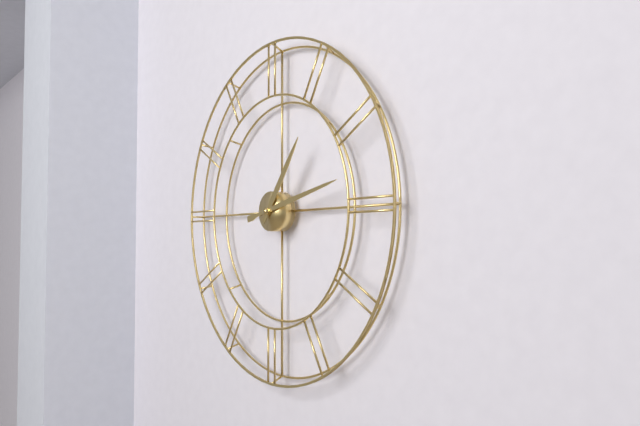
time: 1.13
